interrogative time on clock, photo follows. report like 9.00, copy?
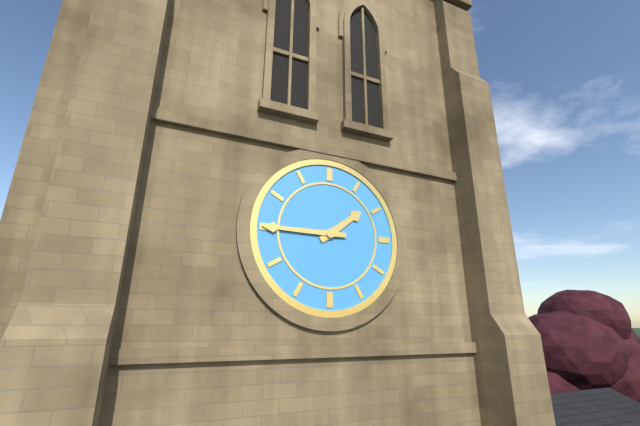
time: 1.45
